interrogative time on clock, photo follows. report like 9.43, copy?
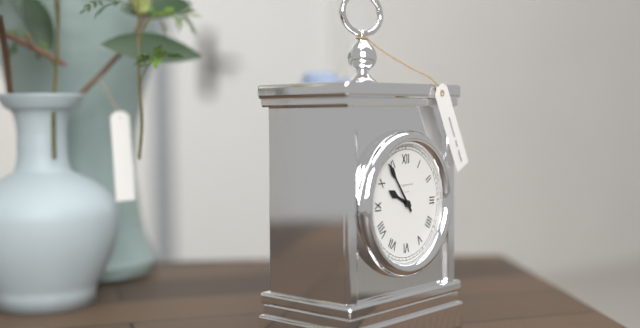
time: 9.54
